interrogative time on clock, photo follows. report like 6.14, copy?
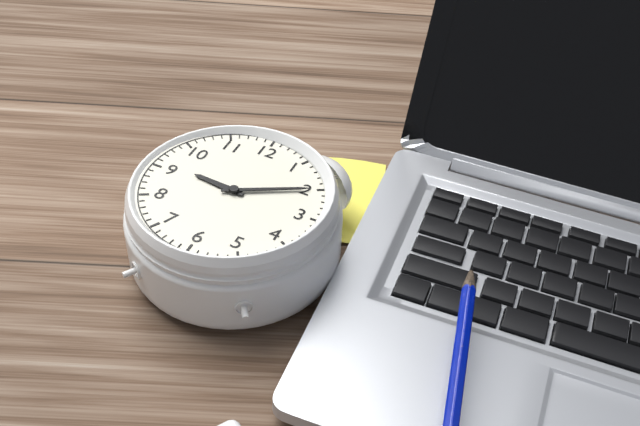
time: 9.10
